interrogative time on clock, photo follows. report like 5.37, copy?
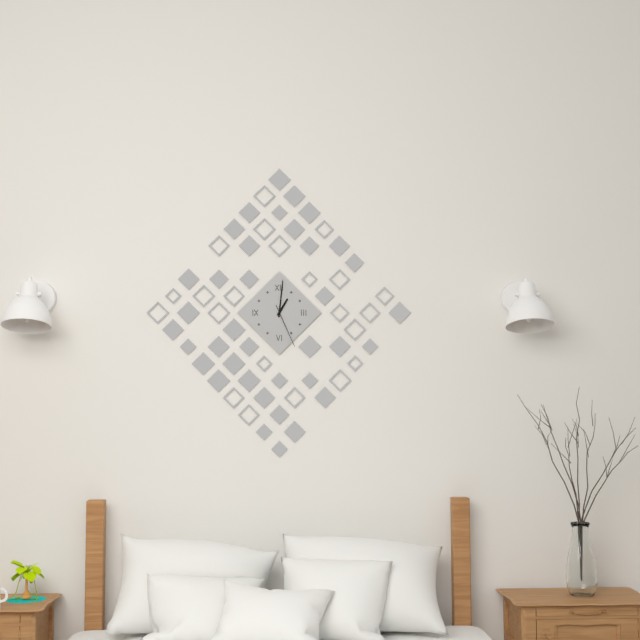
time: 1.01
